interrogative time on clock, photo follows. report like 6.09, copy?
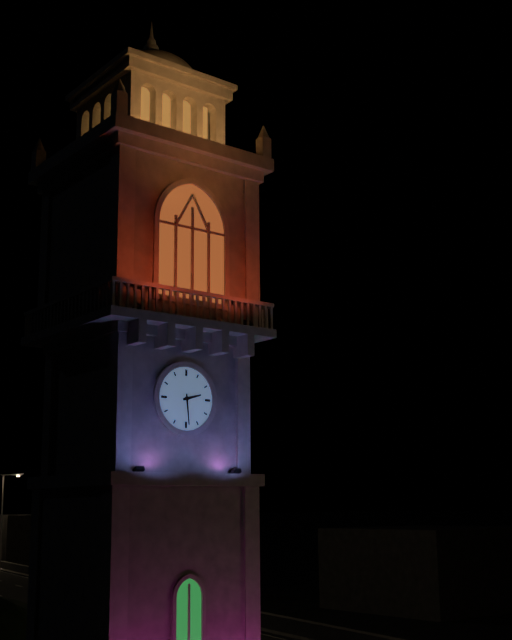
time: 2.29
